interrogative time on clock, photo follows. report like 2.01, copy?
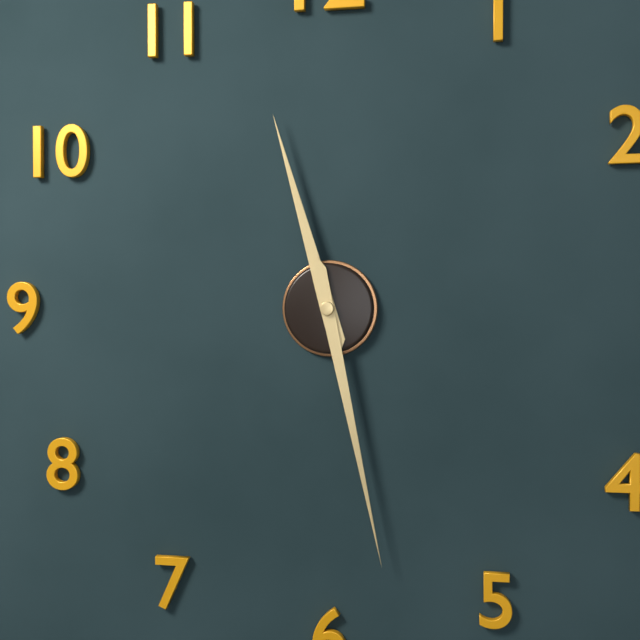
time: 11.28
